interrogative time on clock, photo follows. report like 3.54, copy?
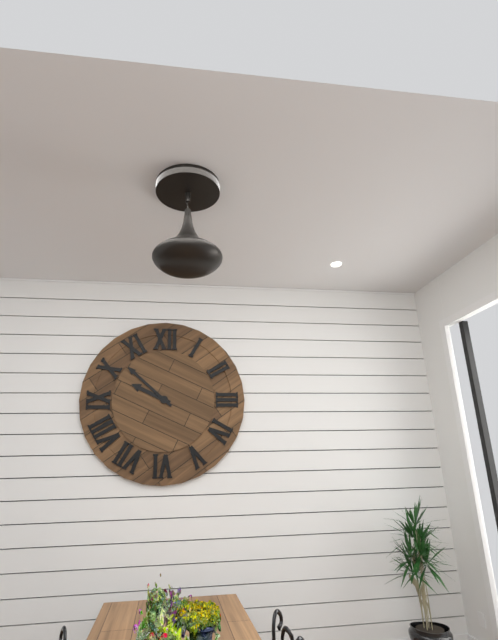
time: 9.52
